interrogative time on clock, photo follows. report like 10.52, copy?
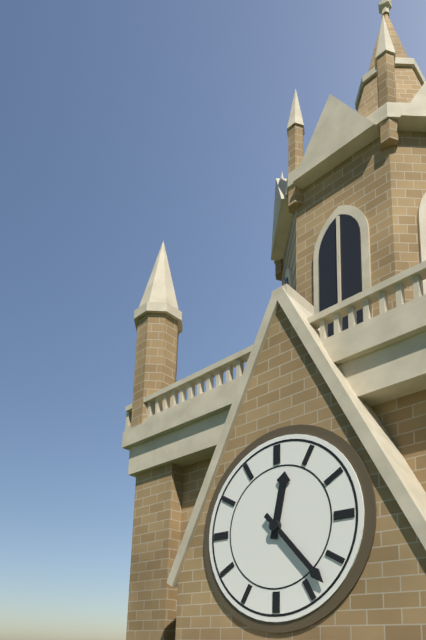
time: 12.23
